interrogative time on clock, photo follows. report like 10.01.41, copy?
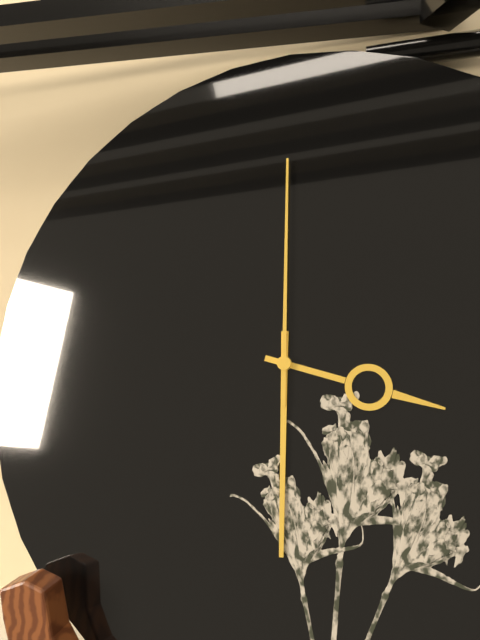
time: 3.30.00
